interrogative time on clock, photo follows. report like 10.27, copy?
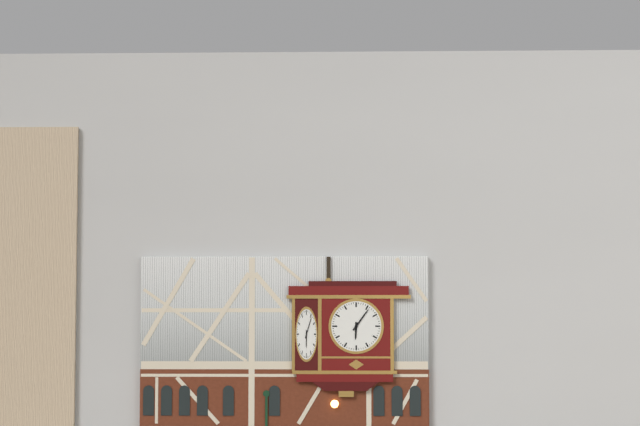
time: 6.06
